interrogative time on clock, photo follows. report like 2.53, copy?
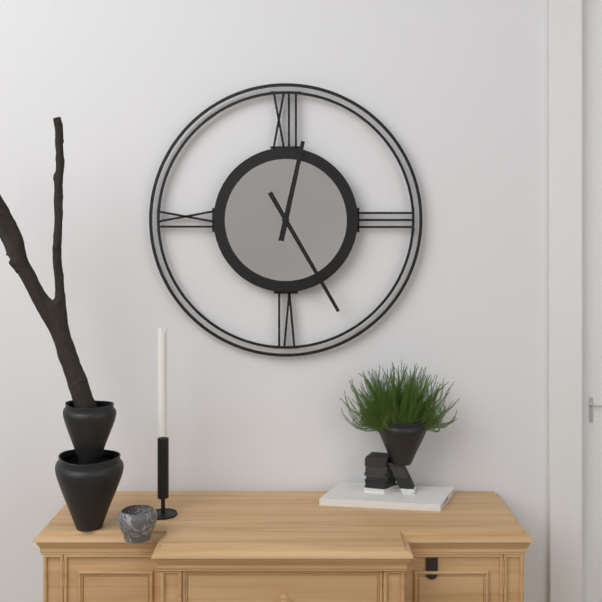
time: 12.25
